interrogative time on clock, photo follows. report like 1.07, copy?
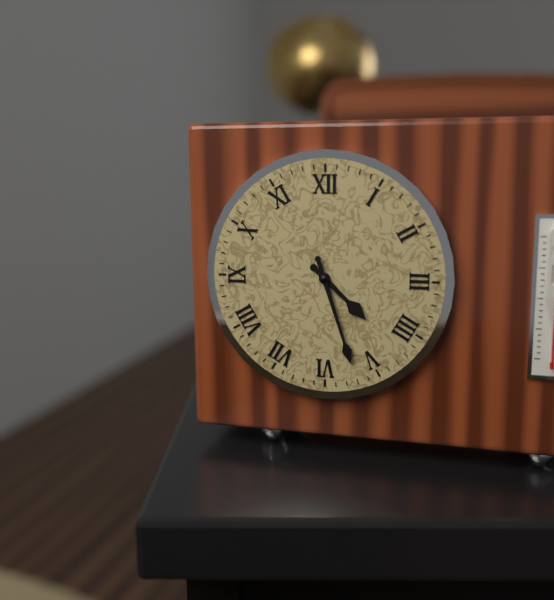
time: 4.27
